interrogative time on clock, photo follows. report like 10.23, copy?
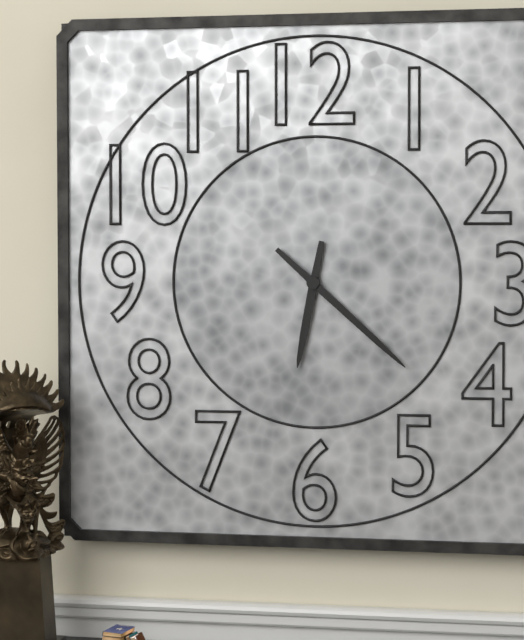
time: 6.22
